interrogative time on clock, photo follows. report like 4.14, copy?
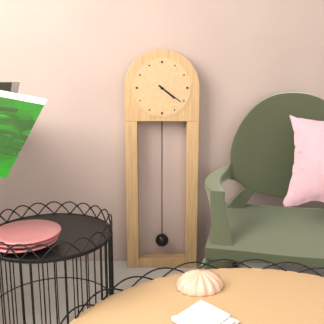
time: 4.21
